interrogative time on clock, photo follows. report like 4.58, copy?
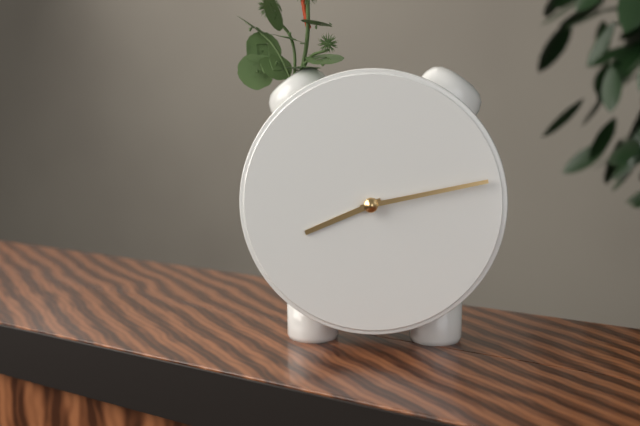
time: 8.13
